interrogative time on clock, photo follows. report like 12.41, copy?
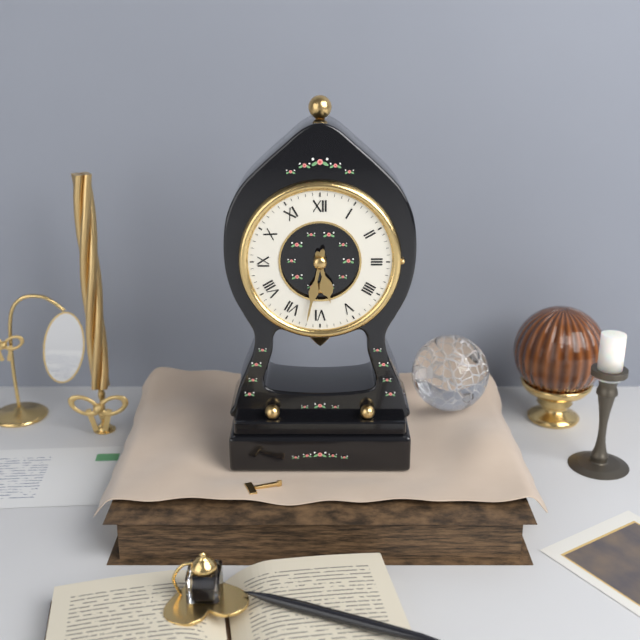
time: 5.32
